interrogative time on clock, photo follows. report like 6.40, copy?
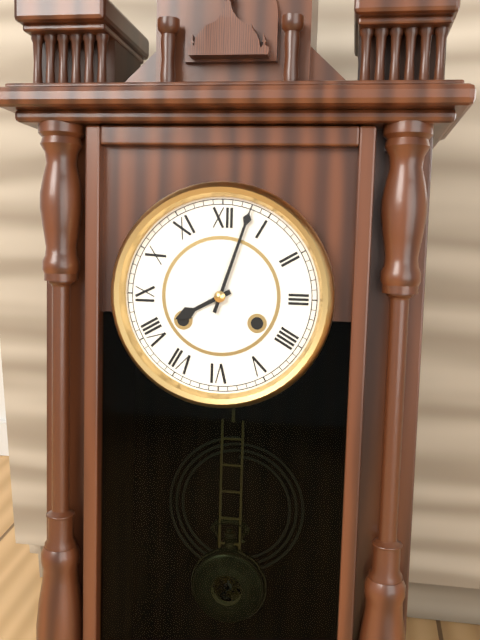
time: 8.03
